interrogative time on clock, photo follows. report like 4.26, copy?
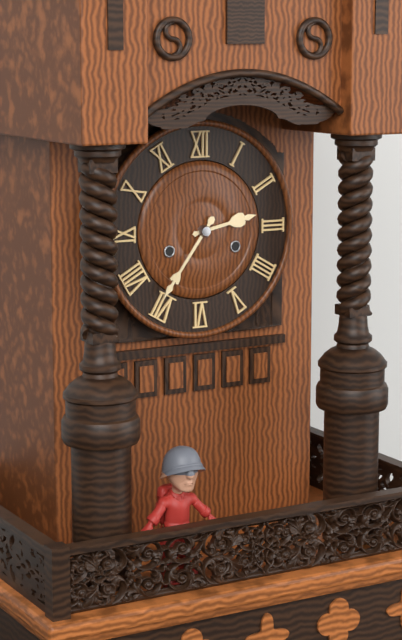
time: 2.36
